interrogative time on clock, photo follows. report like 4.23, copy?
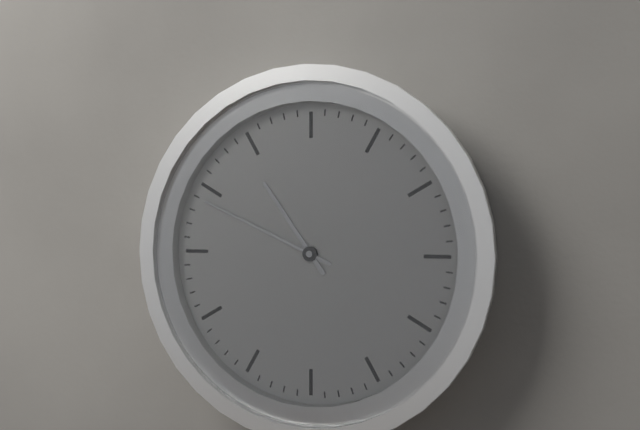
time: 10.49
